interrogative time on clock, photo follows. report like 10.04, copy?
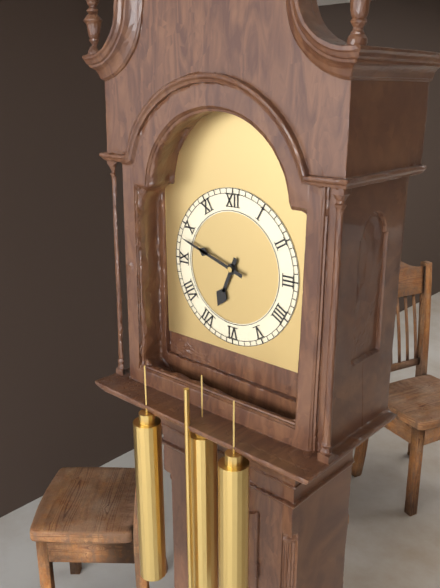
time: 6.48
